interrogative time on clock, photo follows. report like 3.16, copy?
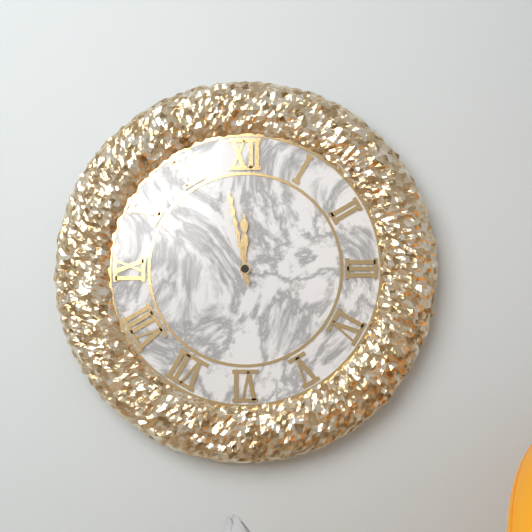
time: 11.58
